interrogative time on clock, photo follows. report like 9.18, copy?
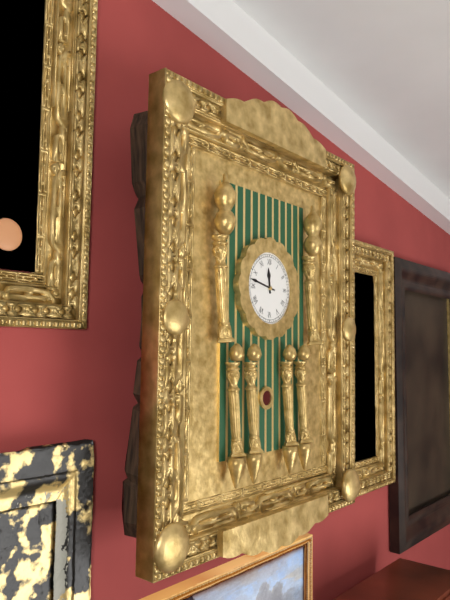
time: 11.47
